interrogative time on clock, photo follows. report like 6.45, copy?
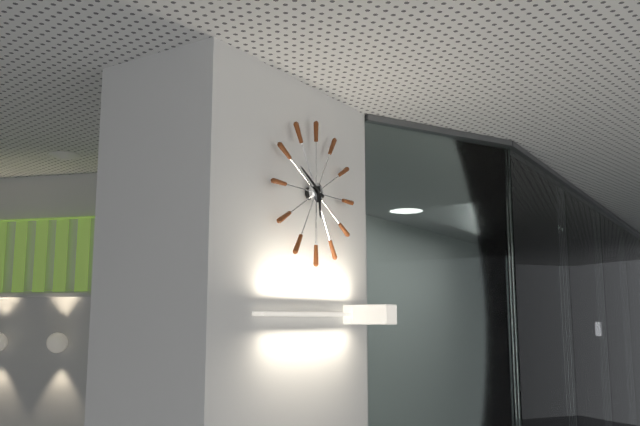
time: 5.50
